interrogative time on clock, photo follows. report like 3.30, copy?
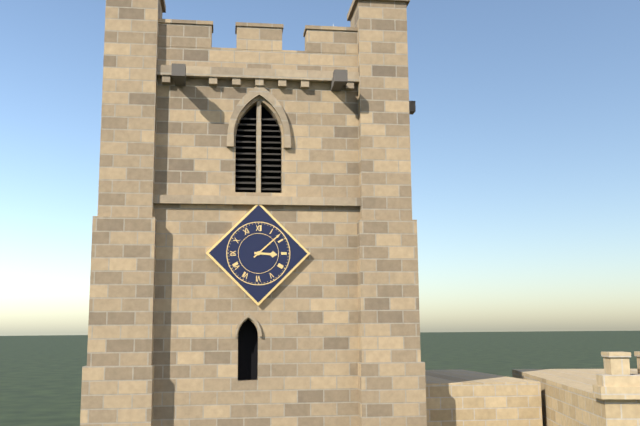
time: 3.08
